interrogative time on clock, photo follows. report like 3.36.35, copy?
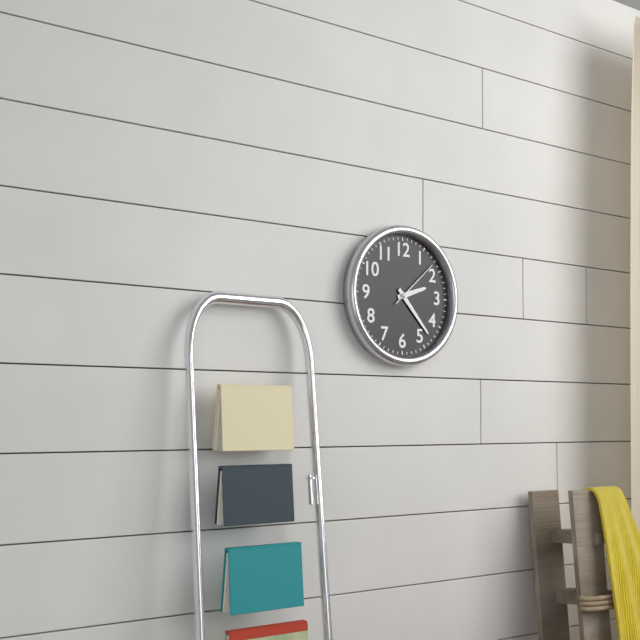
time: 2.23.08
